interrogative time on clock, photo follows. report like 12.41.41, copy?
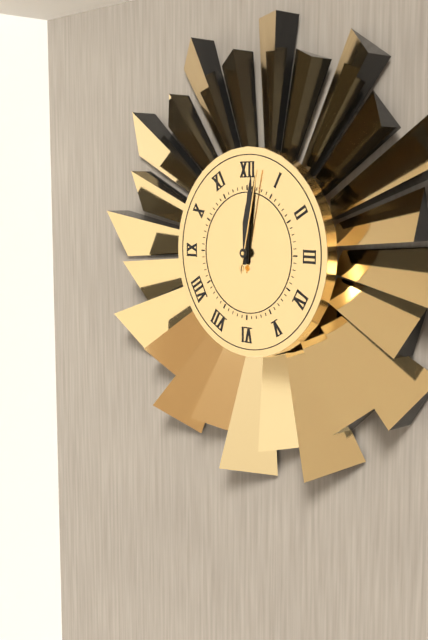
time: 12.01.02
